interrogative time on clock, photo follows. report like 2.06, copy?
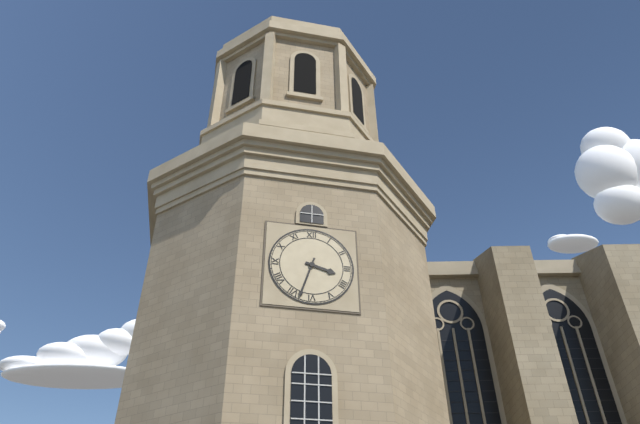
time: 3.33
